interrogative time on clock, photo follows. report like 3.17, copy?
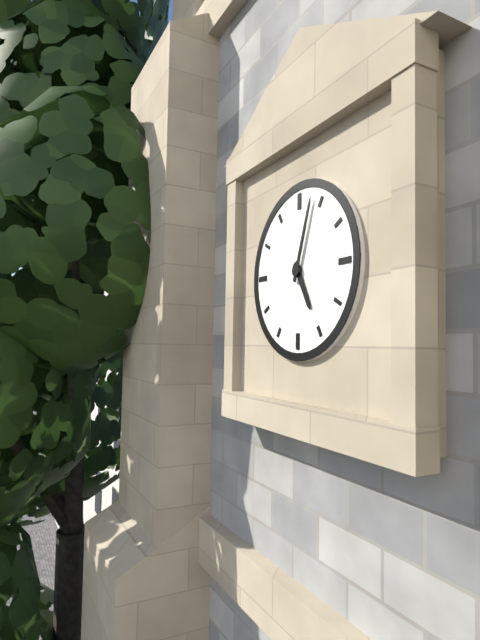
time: 5.03
